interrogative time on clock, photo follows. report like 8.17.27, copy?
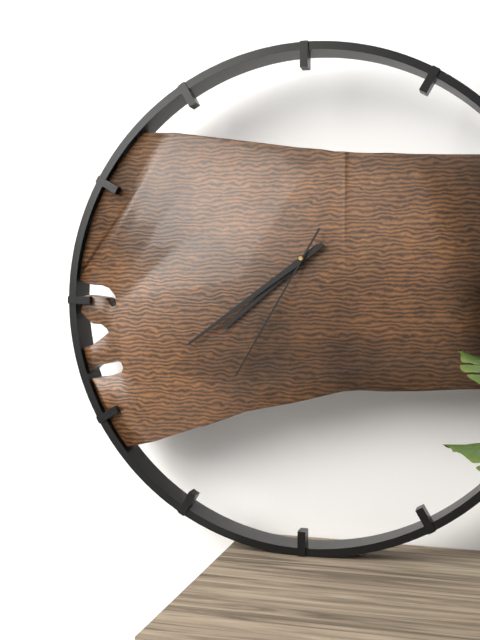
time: 7.39.35
